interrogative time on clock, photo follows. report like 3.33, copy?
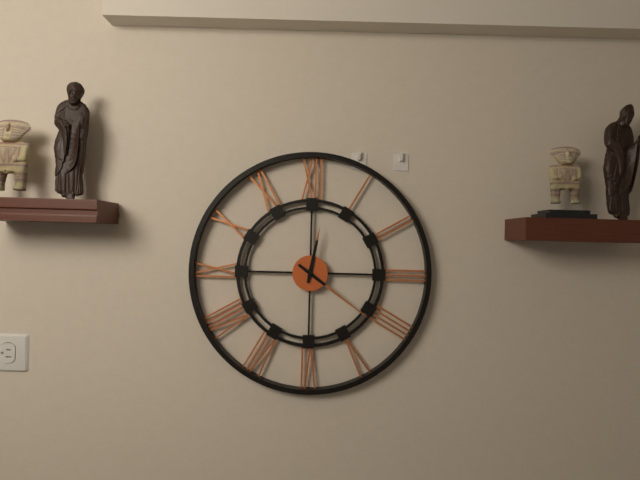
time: 12.21
